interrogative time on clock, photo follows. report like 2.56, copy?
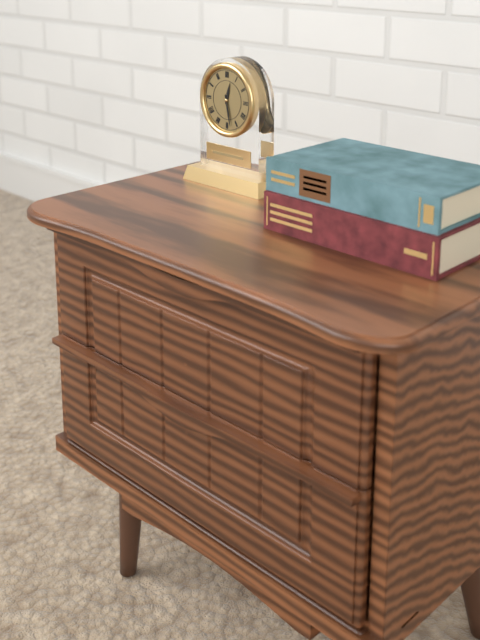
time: 12.28
